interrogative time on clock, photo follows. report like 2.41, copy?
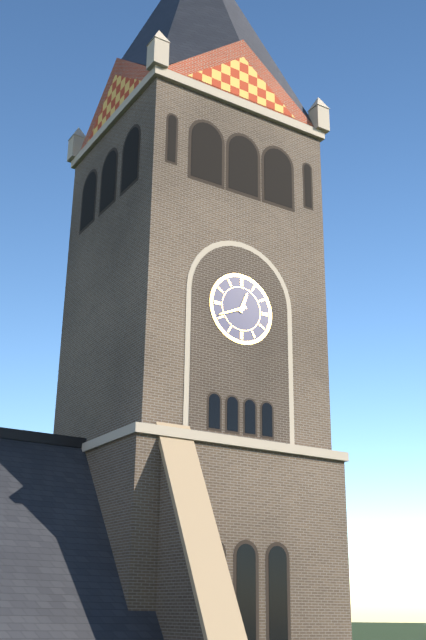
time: 12.41
